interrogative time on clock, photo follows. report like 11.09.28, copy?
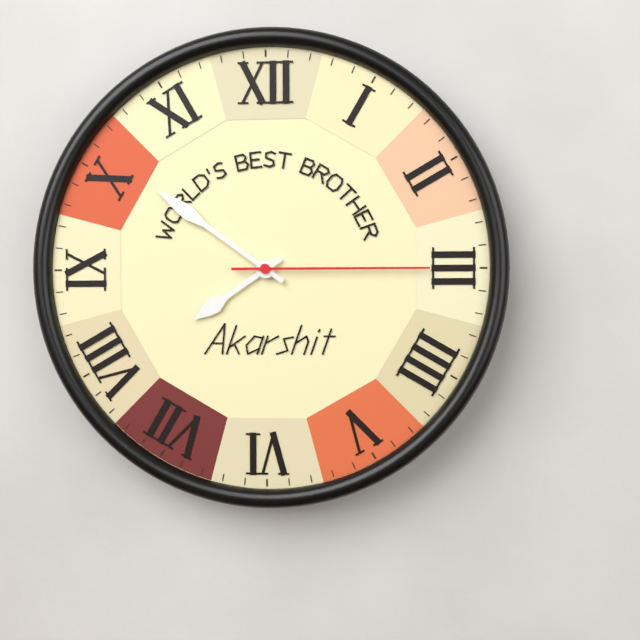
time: 7.51.15
